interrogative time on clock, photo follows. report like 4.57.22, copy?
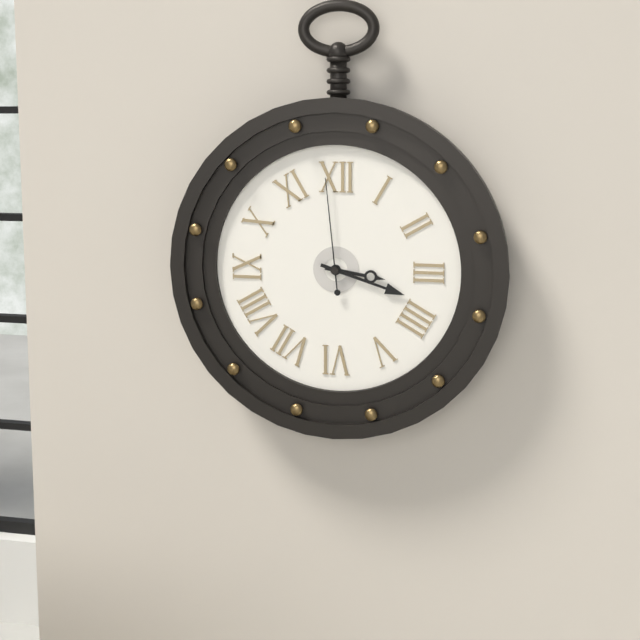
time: 3.18.59
